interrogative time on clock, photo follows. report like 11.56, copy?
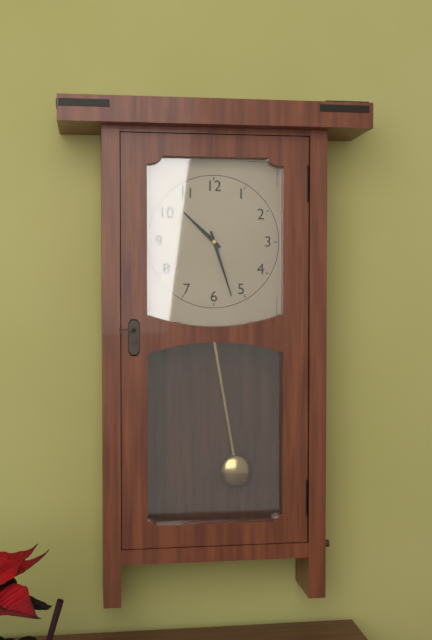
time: 10.27
